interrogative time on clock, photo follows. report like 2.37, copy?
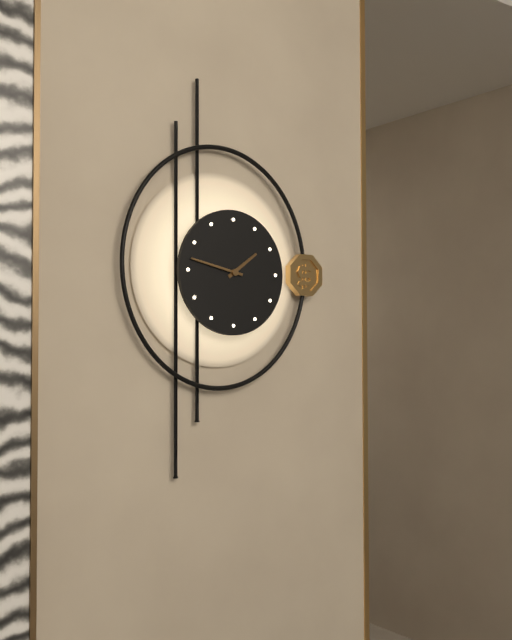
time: 1.47
